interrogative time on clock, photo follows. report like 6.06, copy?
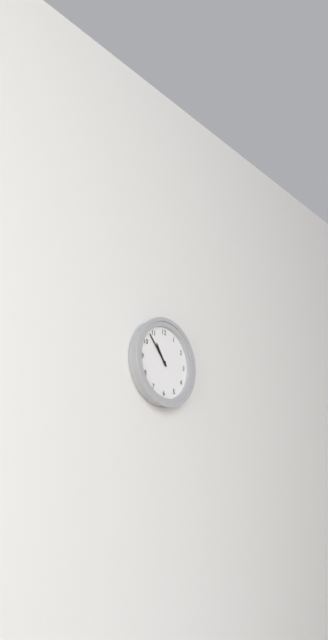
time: 10.53
